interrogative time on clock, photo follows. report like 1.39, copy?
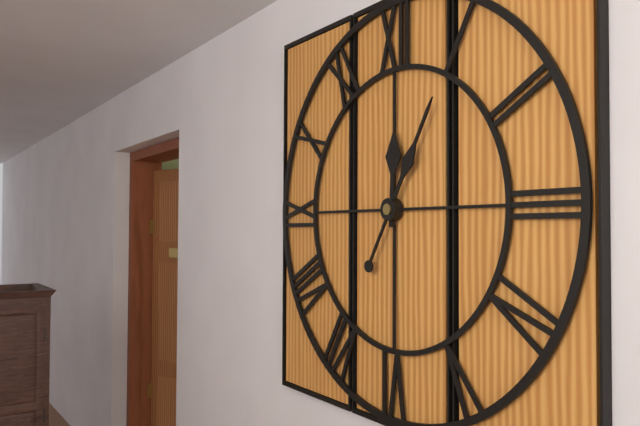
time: 12.05
